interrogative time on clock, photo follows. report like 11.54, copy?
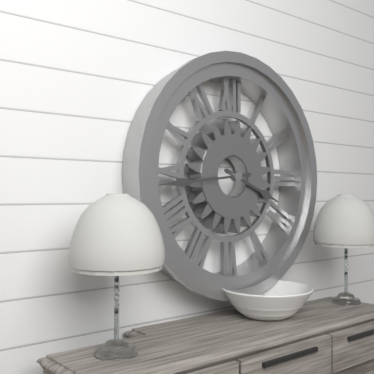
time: 3.44
